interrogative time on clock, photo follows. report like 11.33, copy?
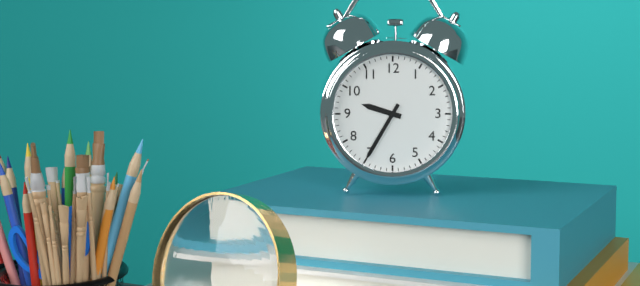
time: 9.35
